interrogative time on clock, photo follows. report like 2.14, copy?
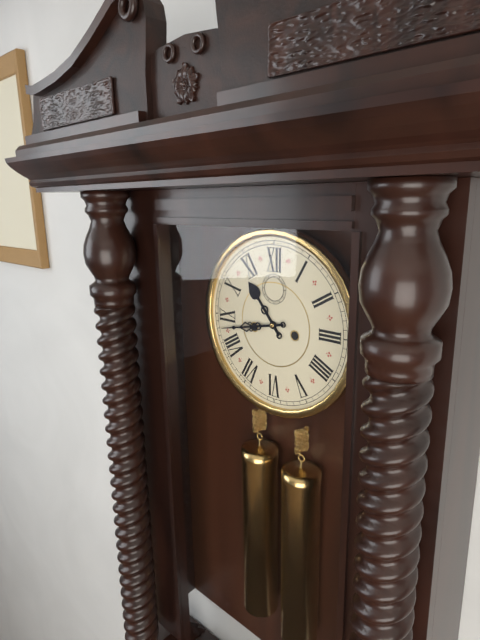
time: 10.43
